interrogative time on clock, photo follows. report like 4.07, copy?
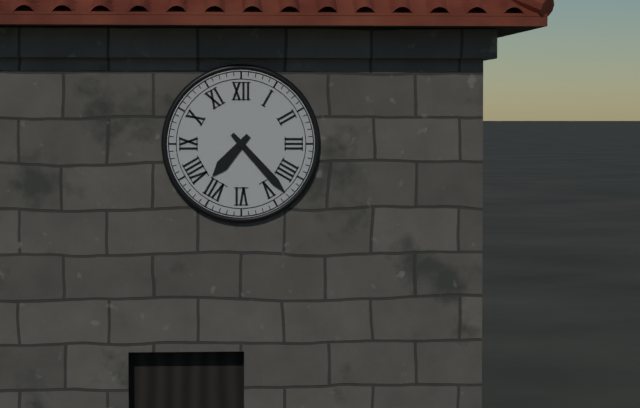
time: 7.23
